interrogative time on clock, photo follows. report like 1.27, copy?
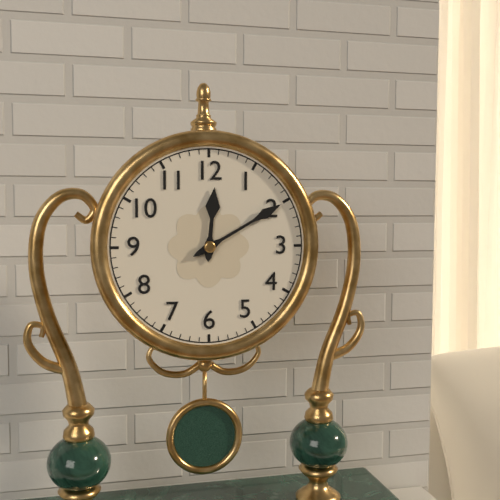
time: 12.10
